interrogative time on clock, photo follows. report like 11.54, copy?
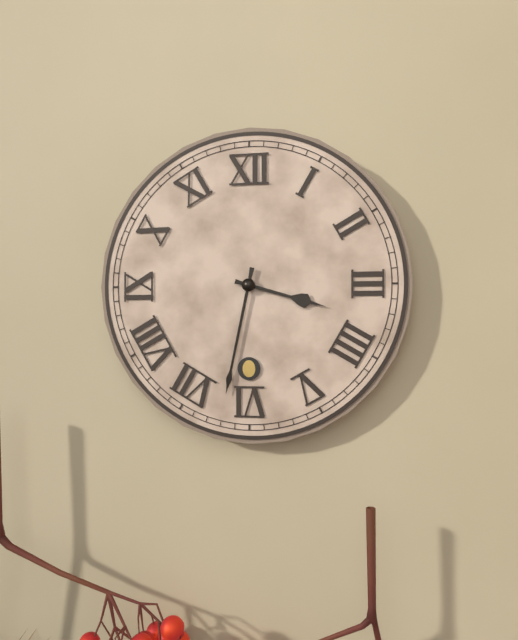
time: 3.32
